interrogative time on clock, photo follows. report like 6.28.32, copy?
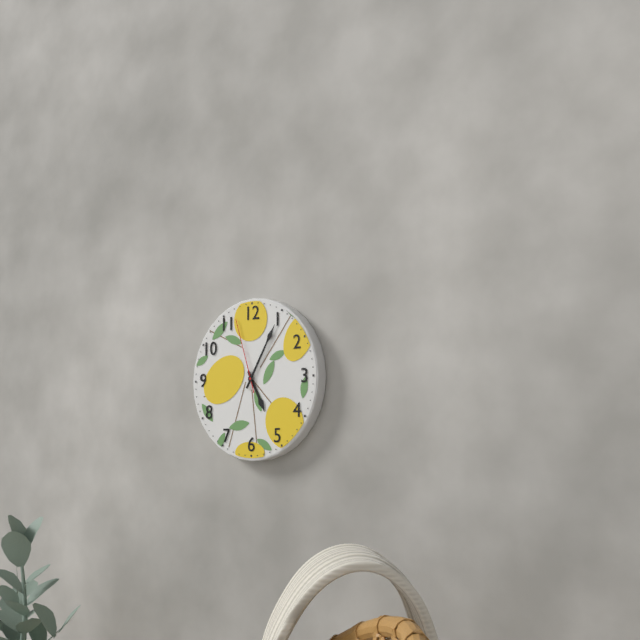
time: 5.05.57
